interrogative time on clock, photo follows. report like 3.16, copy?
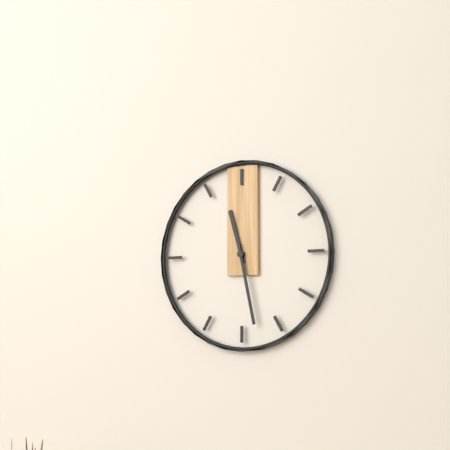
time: 11.28
